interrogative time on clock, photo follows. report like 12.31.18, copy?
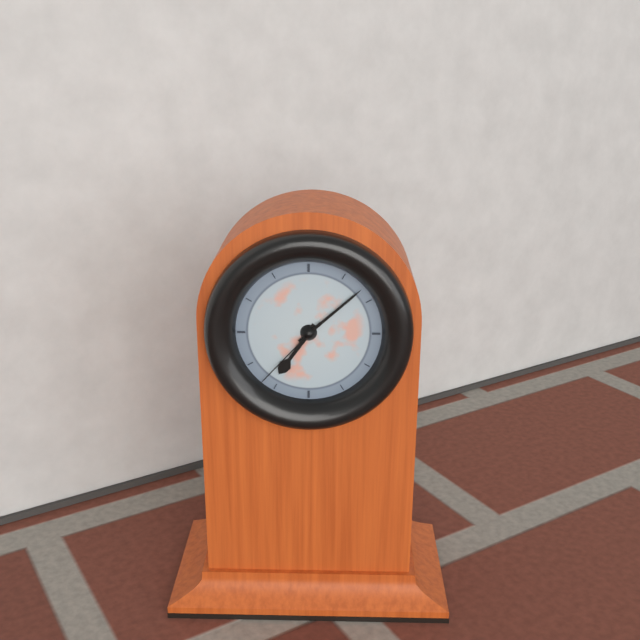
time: 7.08.37
